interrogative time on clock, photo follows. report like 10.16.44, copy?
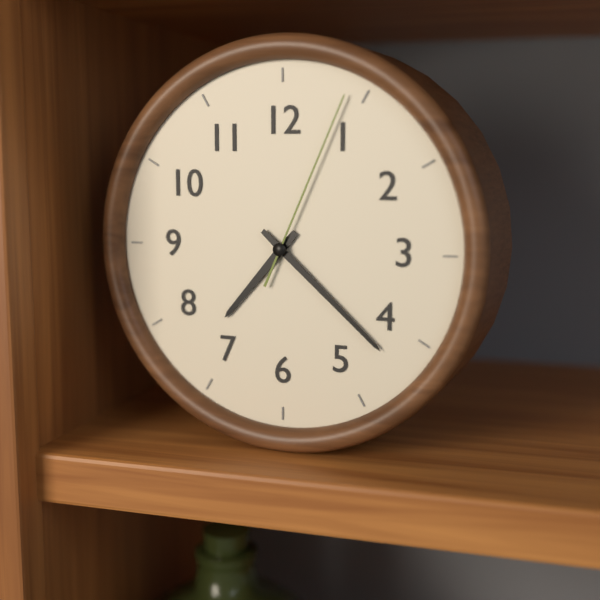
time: 7.22.04
